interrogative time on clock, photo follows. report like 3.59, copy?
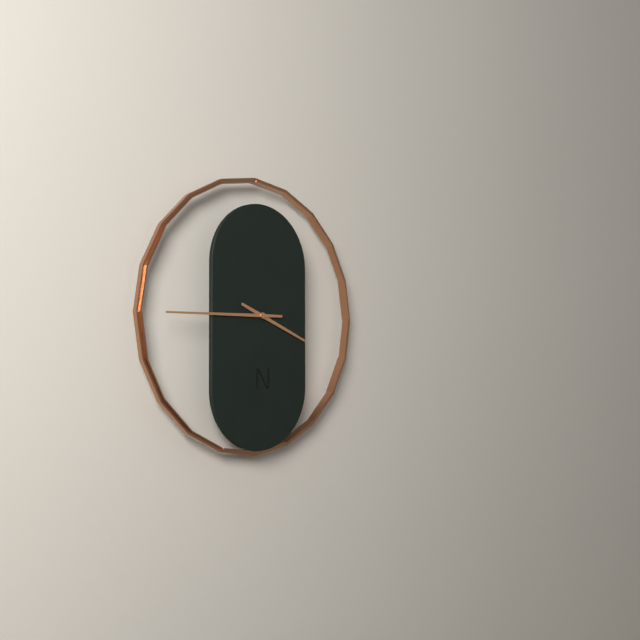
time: 3.45
